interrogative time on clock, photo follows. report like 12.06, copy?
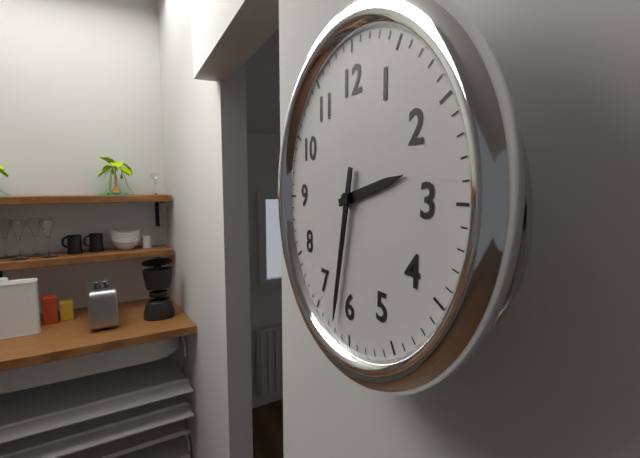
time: 2.32
